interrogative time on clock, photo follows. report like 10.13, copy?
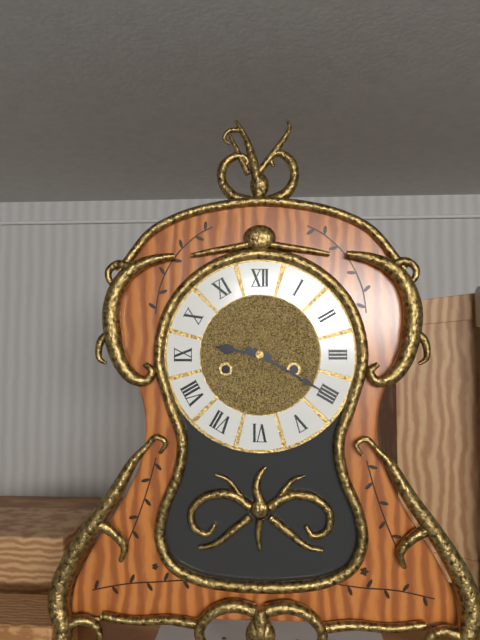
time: 9.20
